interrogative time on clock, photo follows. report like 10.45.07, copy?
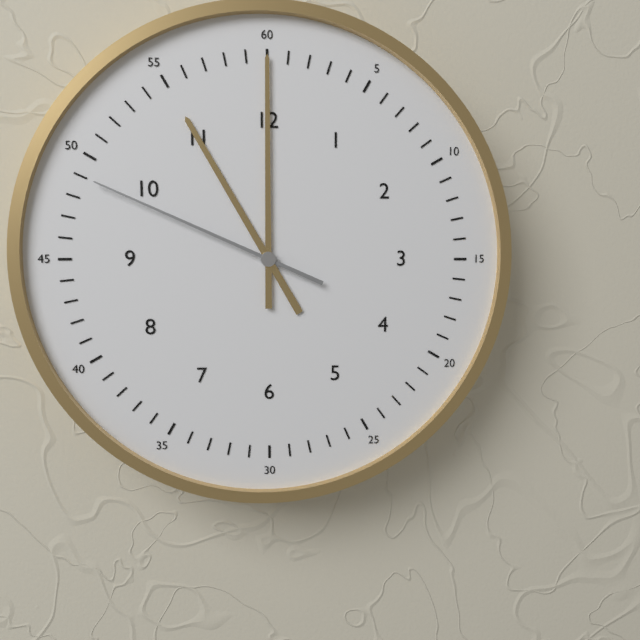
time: 11.00.49
